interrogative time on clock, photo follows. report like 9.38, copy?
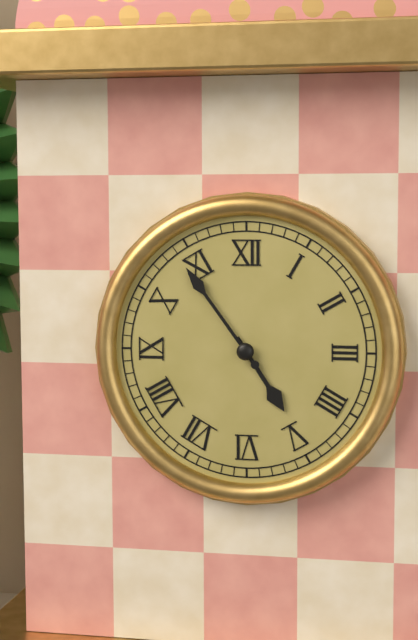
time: 4.54
